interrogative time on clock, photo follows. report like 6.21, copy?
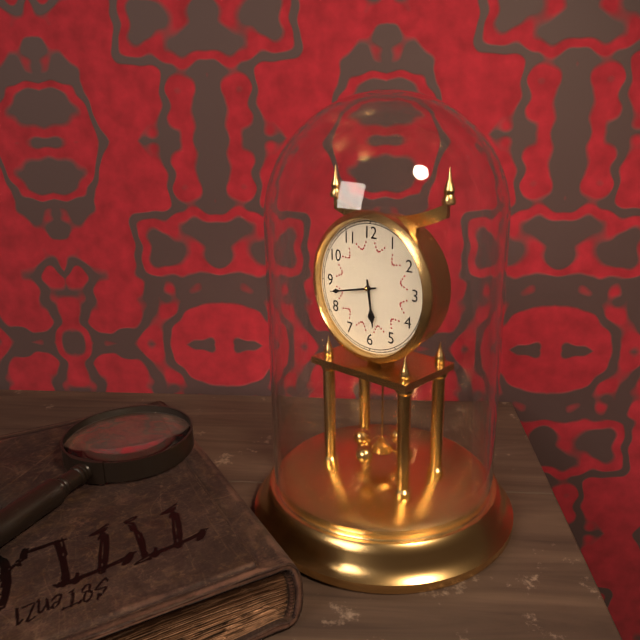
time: 5.43
